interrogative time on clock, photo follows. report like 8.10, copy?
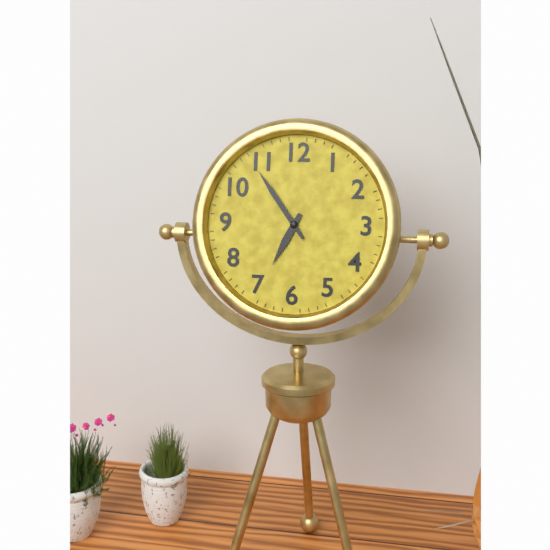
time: 6.54
